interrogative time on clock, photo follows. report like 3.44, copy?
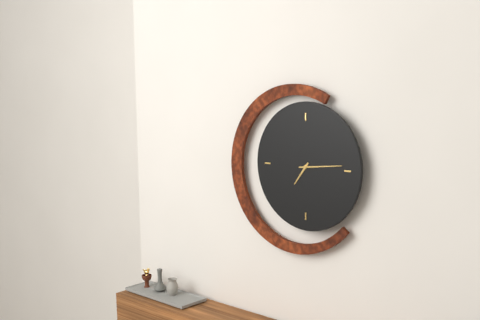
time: 7.14
